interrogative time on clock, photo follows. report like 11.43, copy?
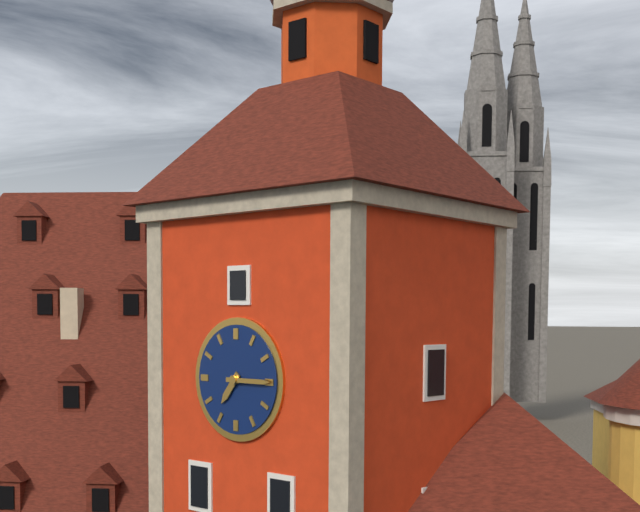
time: 7.15
